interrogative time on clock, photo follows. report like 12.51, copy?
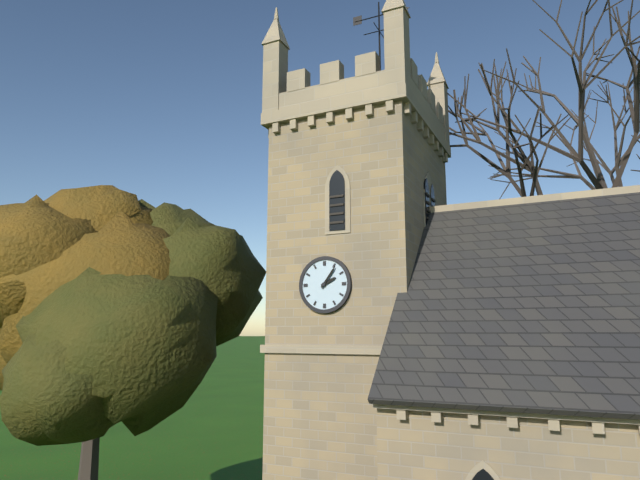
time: 2.06
